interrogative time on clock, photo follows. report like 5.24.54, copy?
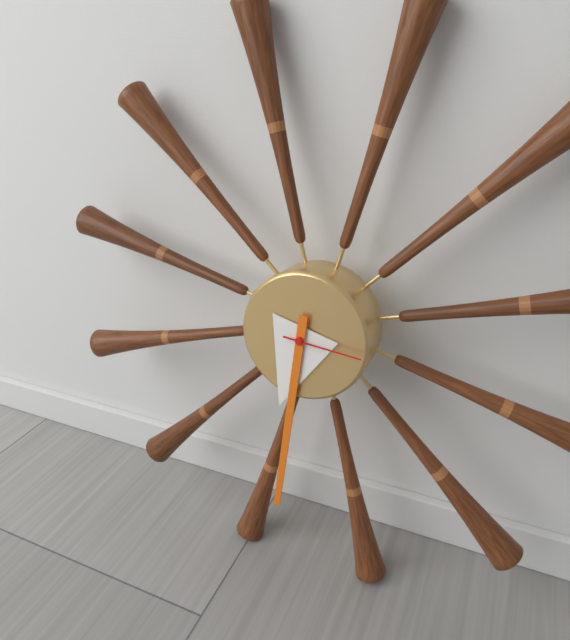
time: 6.31.16
